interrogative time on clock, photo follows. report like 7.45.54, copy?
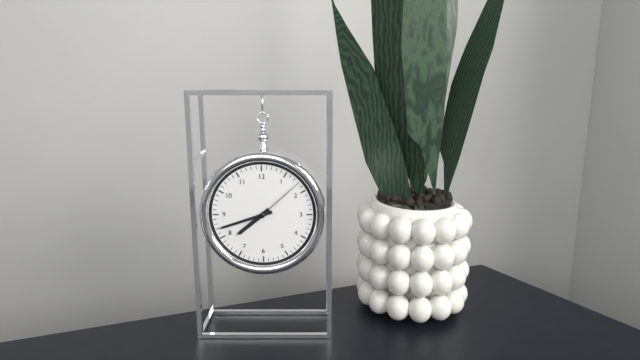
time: 7.42.08
